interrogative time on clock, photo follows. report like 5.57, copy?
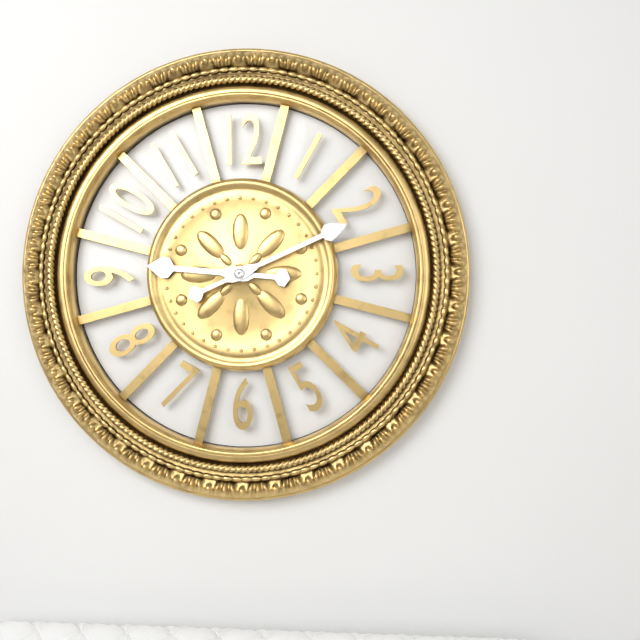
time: 9.11
